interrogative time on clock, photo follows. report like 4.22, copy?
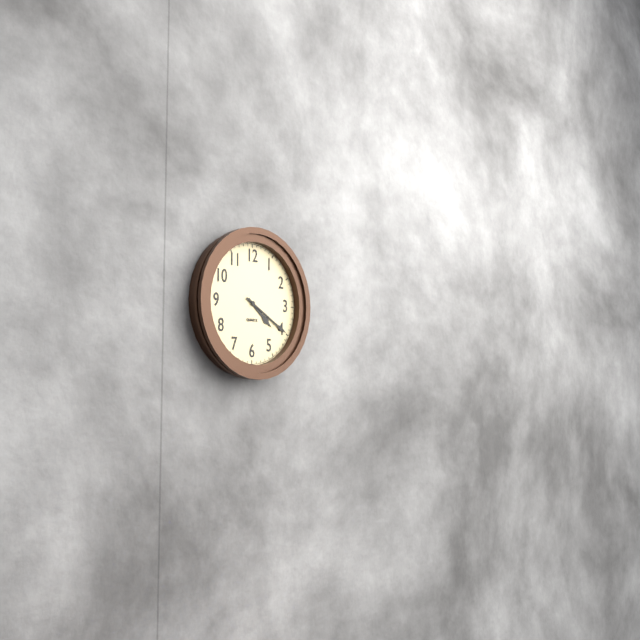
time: 4.20
